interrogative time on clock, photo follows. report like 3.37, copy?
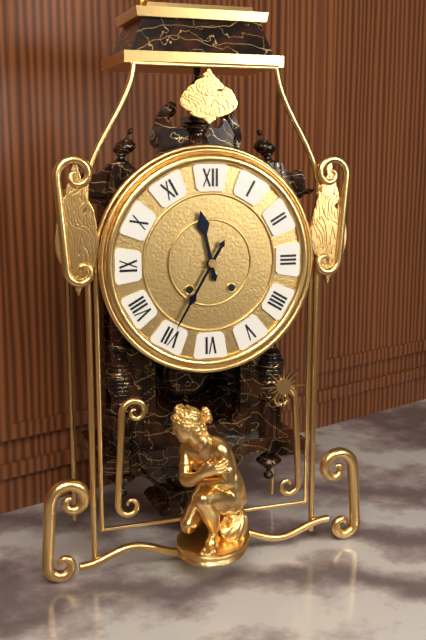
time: 11.35
